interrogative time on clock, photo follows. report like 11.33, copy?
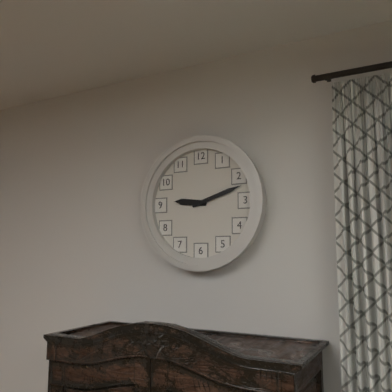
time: 9.12
